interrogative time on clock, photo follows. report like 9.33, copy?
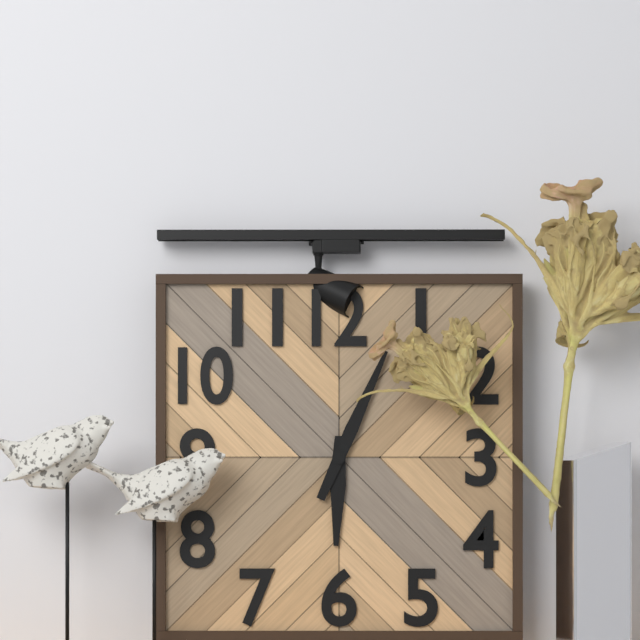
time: 6.04
